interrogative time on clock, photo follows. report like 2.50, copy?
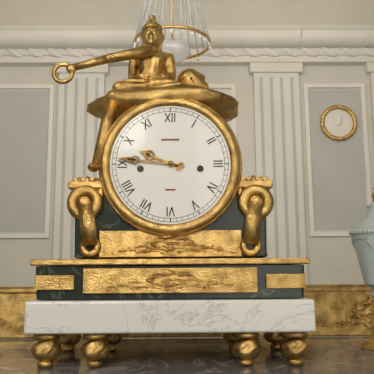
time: 9.46
